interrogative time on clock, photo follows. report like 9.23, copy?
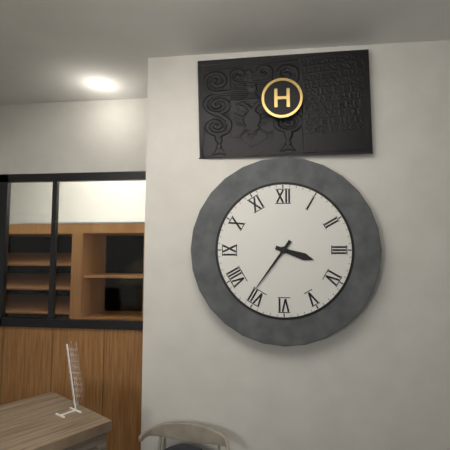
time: 3.36
